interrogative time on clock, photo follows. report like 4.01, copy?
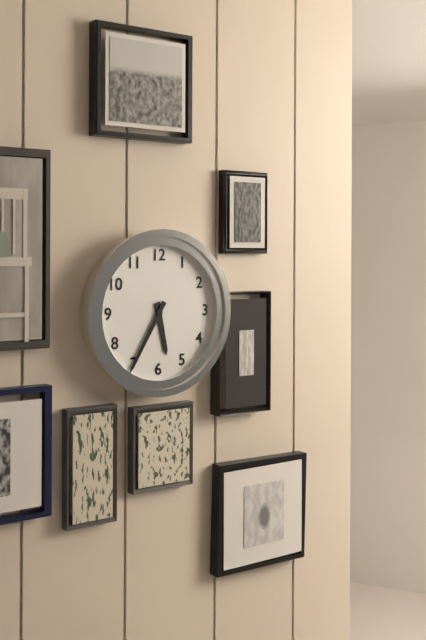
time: 5.35
